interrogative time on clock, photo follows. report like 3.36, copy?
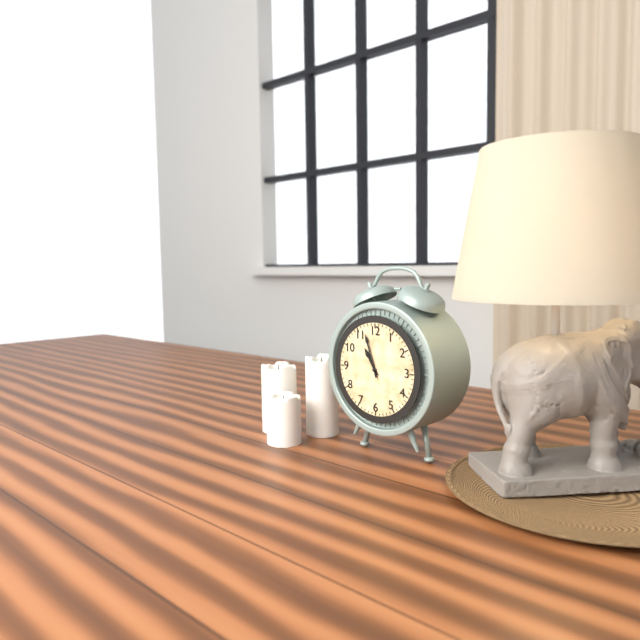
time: 10.57
